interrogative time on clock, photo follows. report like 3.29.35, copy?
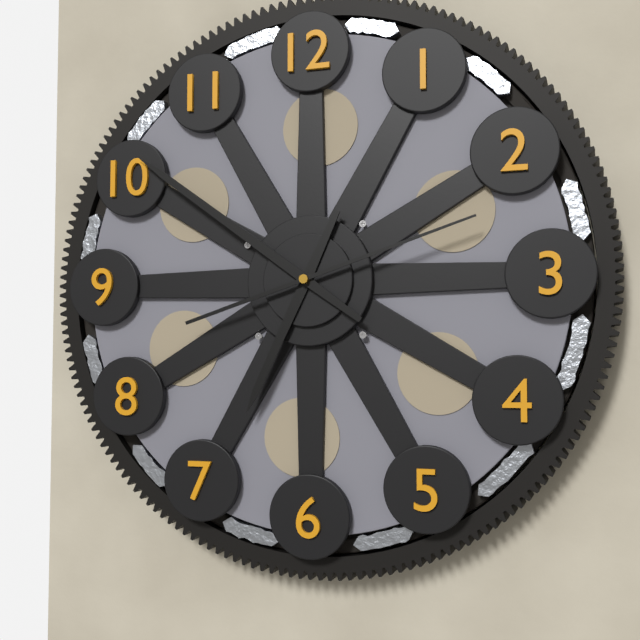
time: 6.51.12
